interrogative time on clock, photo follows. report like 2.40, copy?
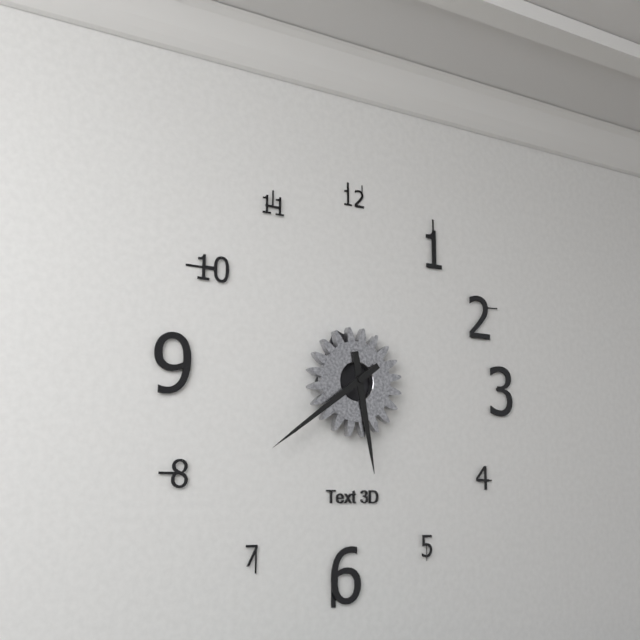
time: 5.39
